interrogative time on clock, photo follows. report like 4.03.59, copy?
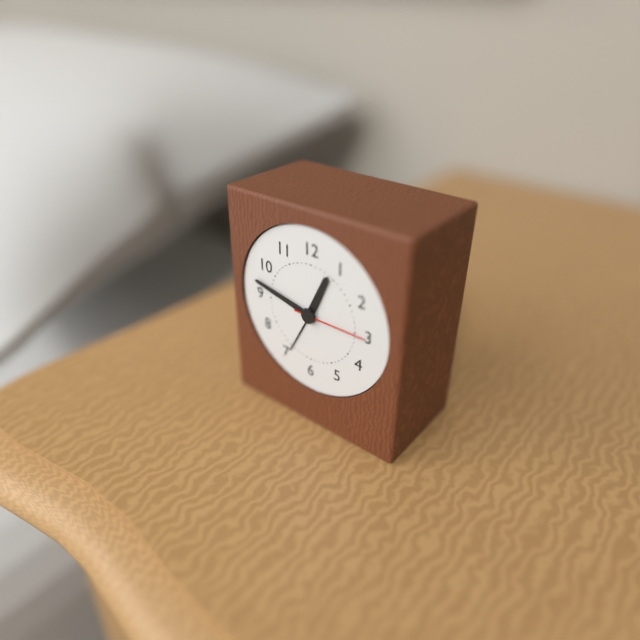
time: 12.47.15
